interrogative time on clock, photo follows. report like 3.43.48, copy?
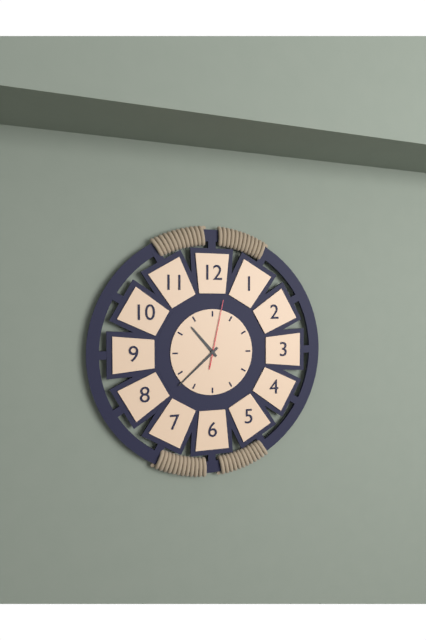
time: 10.38.02
